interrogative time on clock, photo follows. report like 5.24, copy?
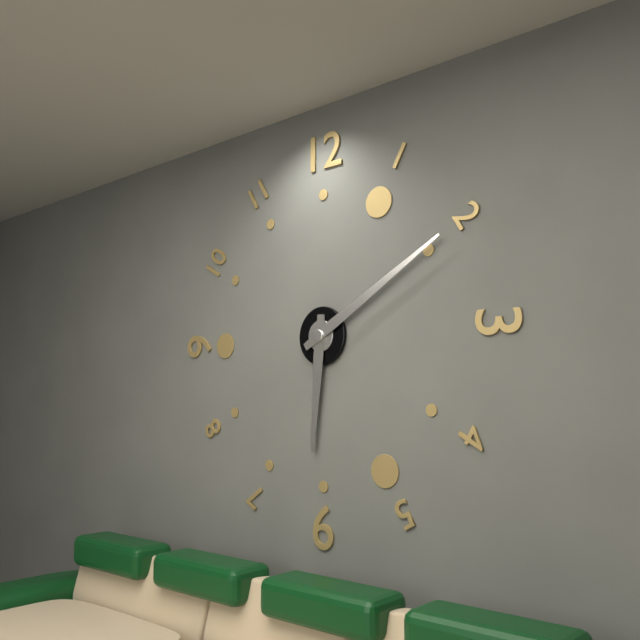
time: 6.10
